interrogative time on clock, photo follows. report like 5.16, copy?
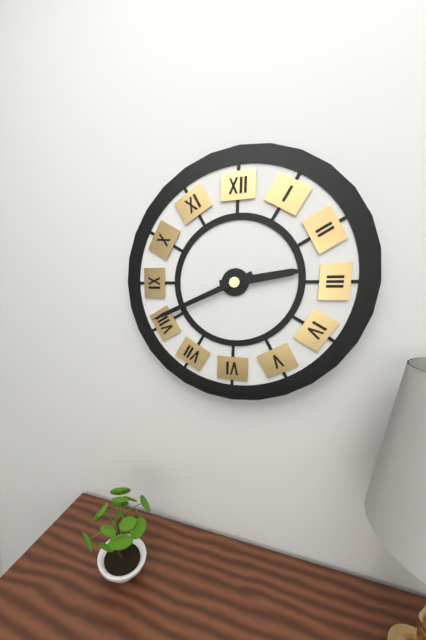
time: 2.41
